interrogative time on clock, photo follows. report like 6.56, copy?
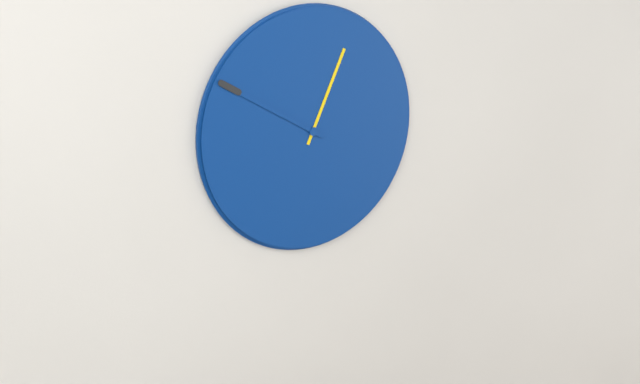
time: 12.50
